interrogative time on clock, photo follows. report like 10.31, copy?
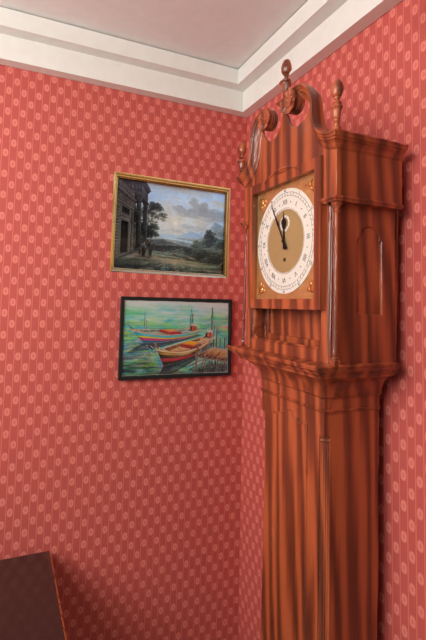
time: 11.55
